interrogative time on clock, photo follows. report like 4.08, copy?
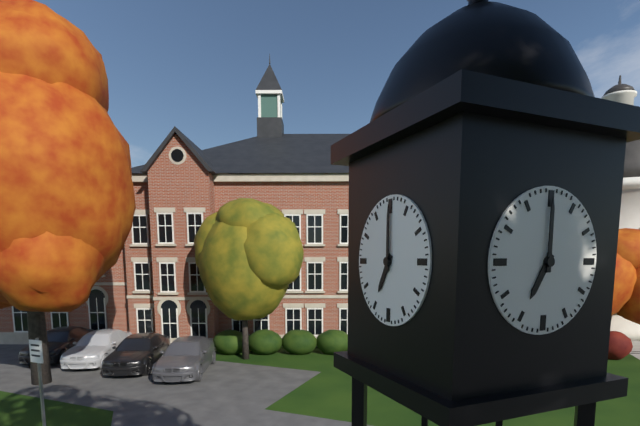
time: 7.00
